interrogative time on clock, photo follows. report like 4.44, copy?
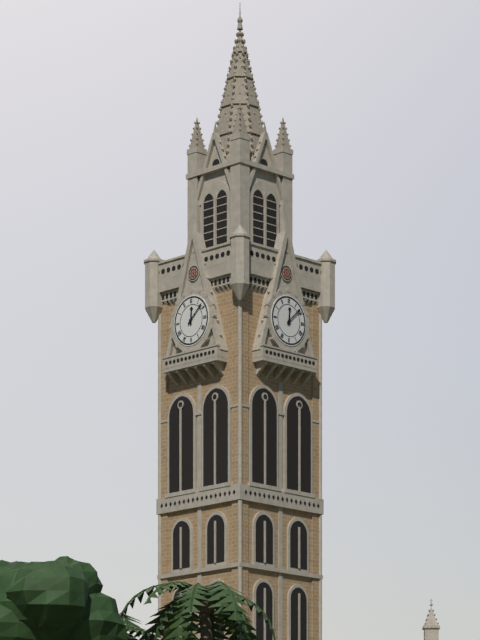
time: 12.08
